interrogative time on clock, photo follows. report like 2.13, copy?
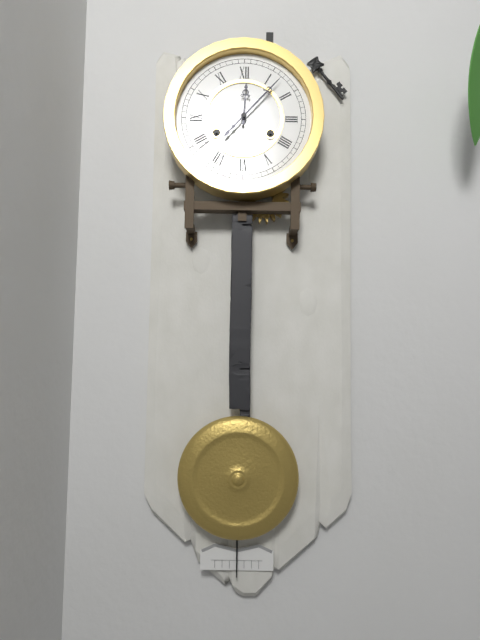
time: 12.07
